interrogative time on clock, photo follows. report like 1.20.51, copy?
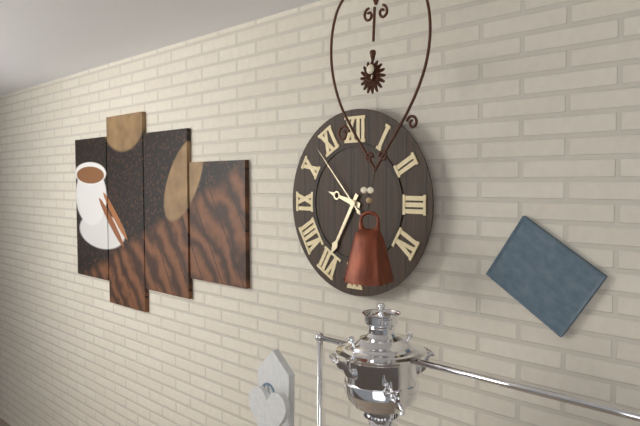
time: 9.35.53
